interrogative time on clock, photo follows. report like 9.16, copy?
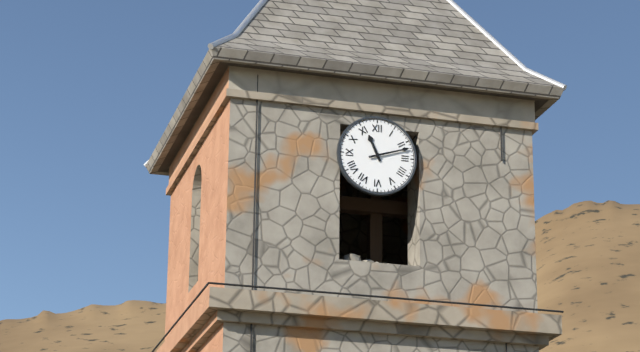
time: 11.12
